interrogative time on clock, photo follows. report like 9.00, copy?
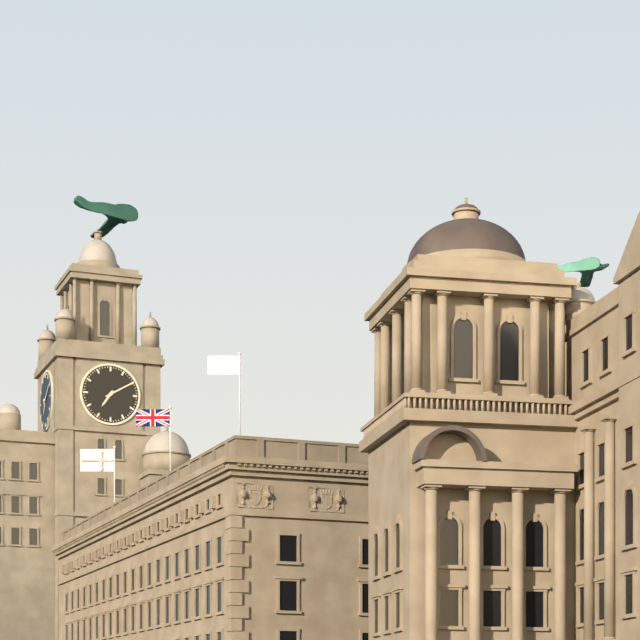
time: 7.10
